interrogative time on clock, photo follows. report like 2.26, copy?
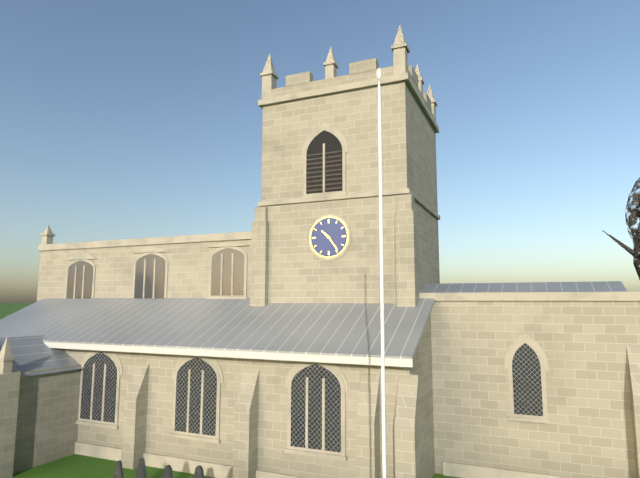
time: 10.24
